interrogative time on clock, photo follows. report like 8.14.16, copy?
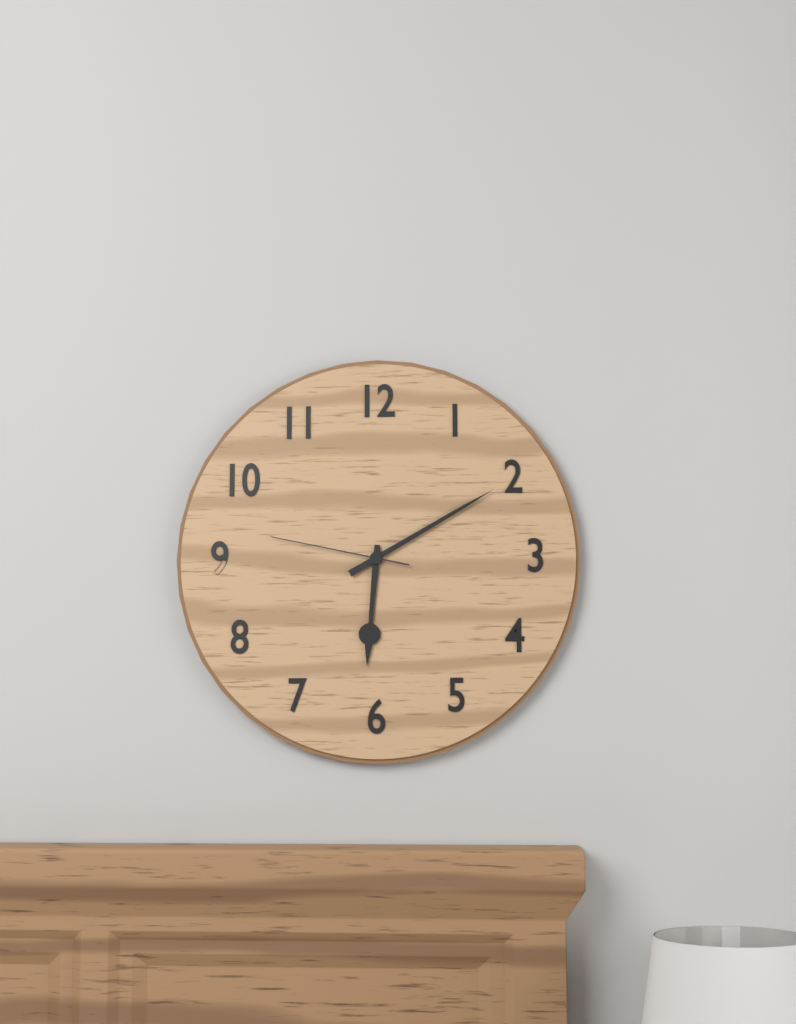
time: 6.10.47
